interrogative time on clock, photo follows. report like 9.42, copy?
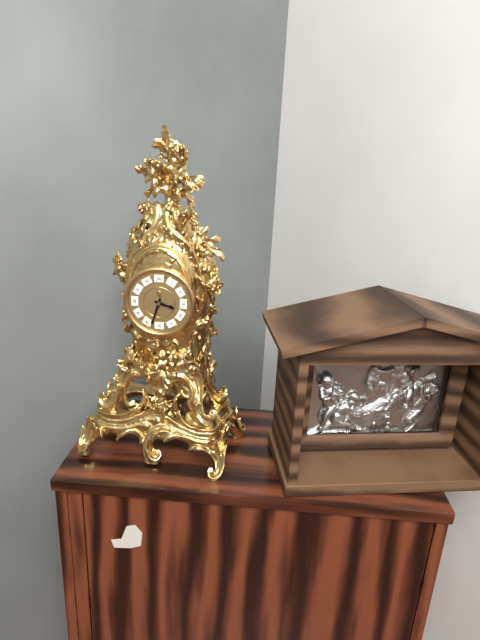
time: 3.33
